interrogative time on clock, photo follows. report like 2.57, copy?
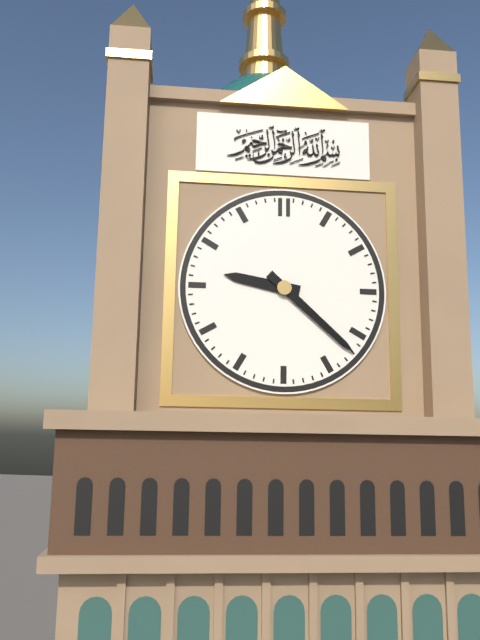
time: 9.22
